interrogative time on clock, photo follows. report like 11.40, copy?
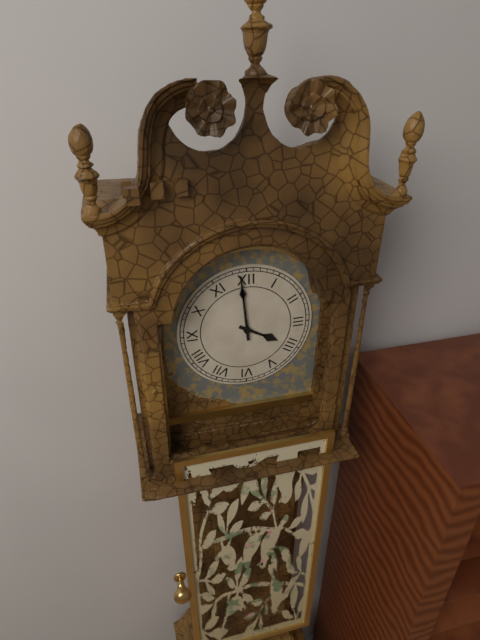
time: 3.59
